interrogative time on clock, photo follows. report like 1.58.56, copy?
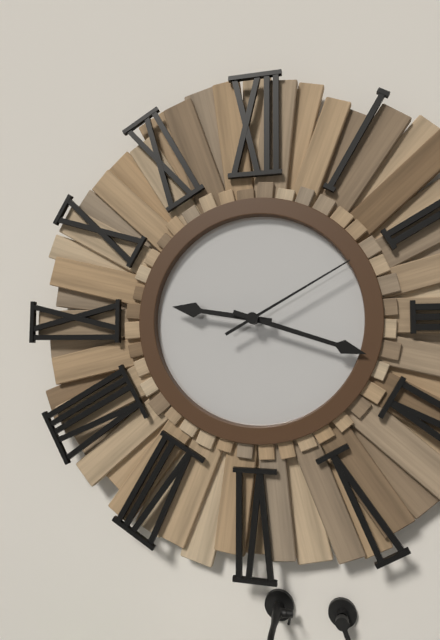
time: 9.18.10
